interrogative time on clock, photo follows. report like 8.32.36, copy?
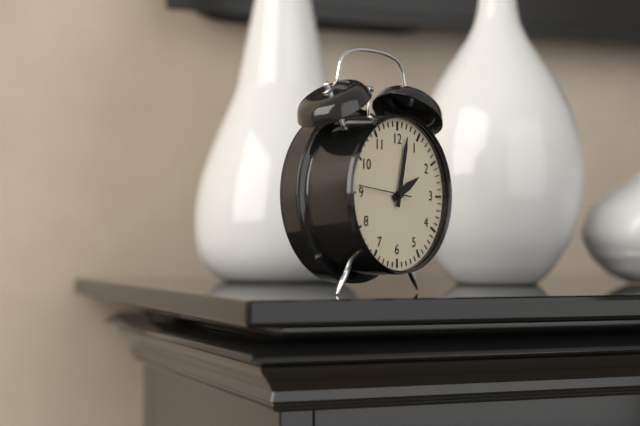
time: 2.02.46
